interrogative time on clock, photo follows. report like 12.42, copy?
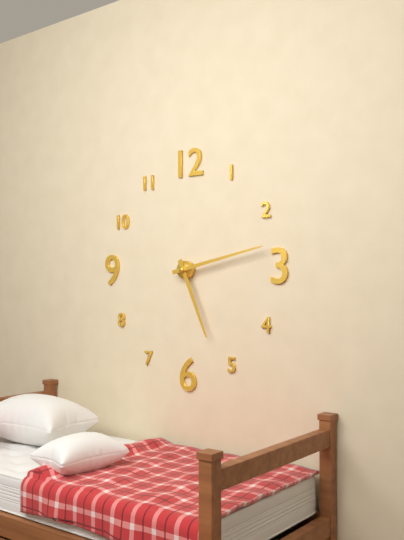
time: 5.13
